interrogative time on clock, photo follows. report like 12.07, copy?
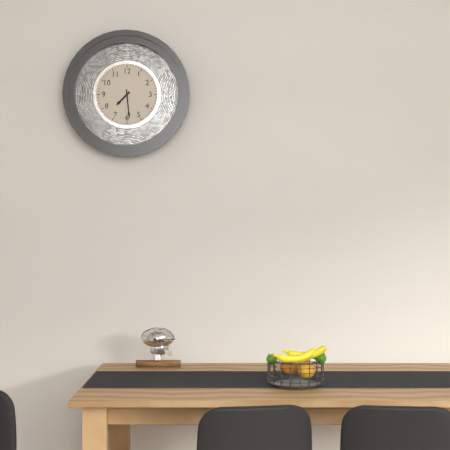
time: 7.29
